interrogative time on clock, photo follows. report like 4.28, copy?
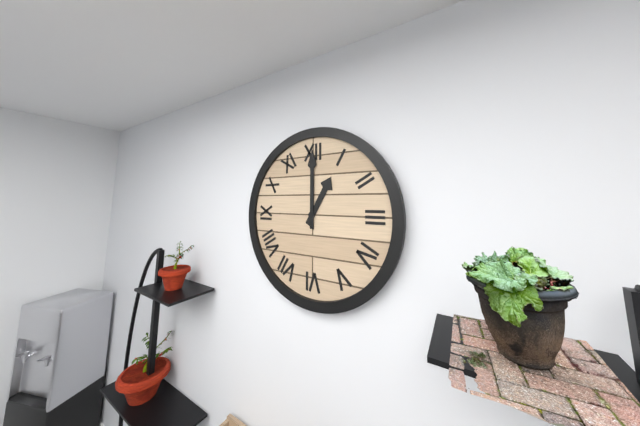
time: 1.00
